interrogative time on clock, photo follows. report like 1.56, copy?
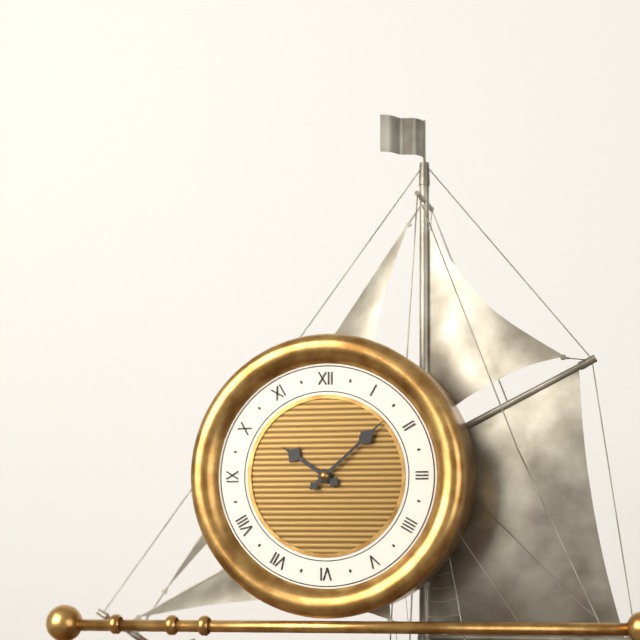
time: 10.08
